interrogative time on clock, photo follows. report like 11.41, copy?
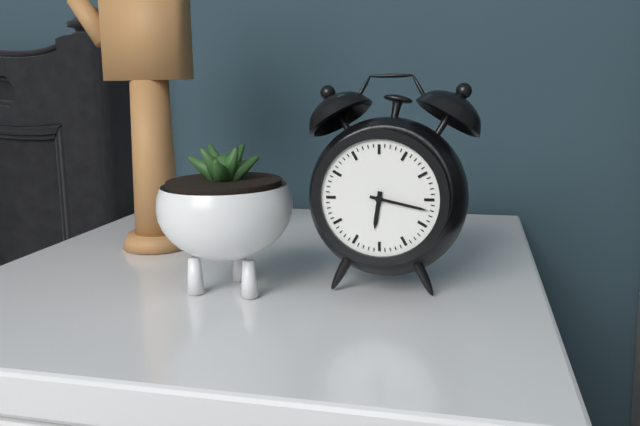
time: 6.17
